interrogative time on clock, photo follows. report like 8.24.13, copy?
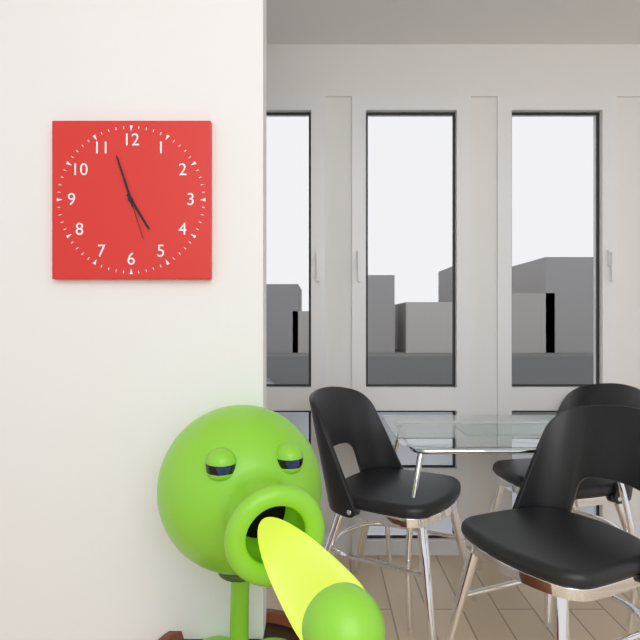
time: 4.57.27
